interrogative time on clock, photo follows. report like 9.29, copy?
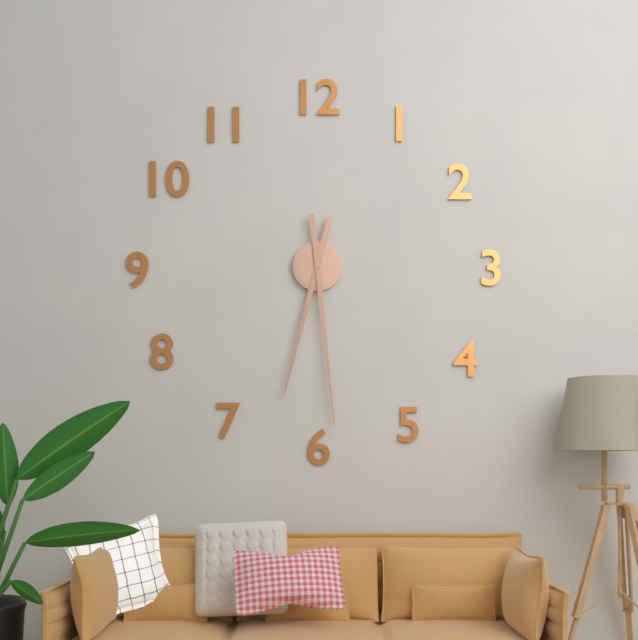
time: 6.29
